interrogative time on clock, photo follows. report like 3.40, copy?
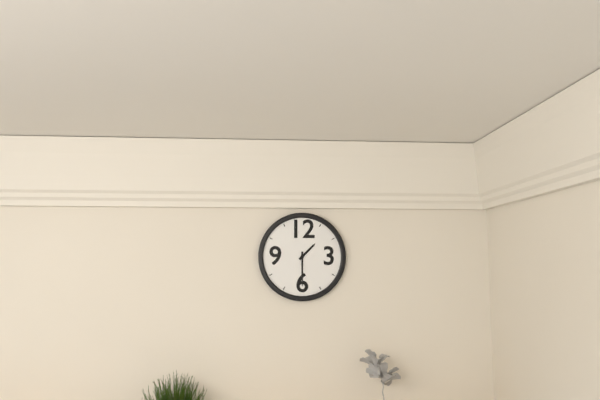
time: 1.30
